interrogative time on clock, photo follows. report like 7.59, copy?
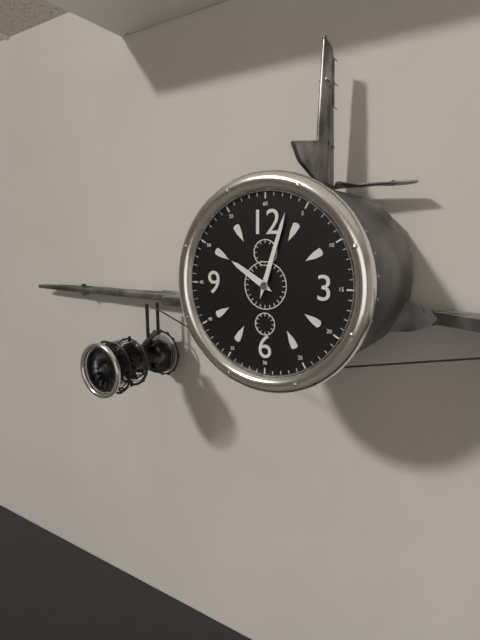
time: 10.03
